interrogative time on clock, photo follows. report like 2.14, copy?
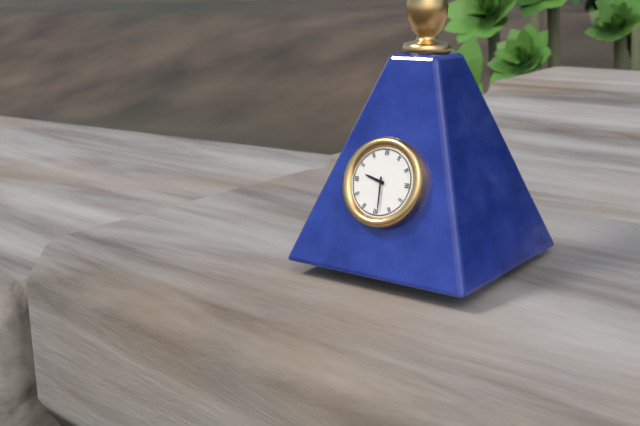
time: 9.29
